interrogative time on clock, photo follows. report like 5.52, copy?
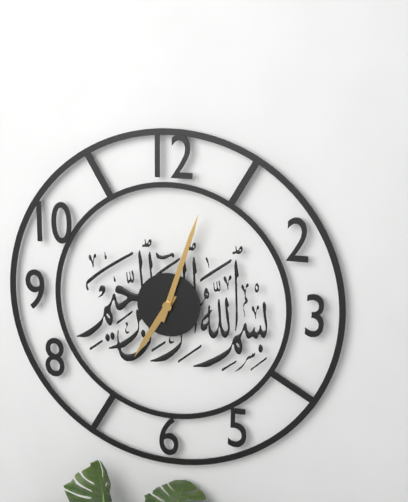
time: 7.03
